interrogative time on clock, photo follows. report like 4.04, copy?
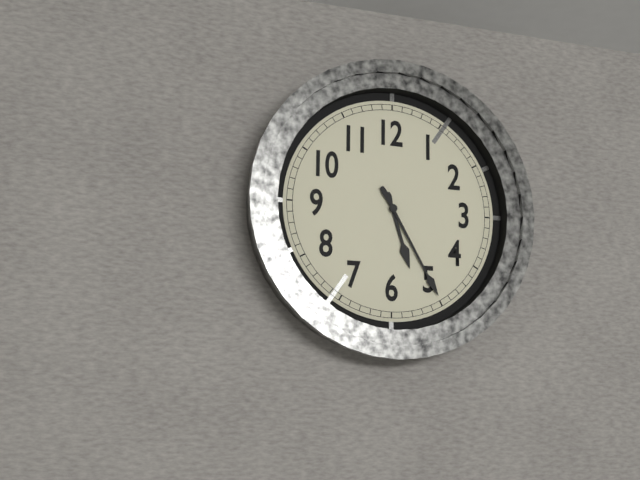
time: 5.25
